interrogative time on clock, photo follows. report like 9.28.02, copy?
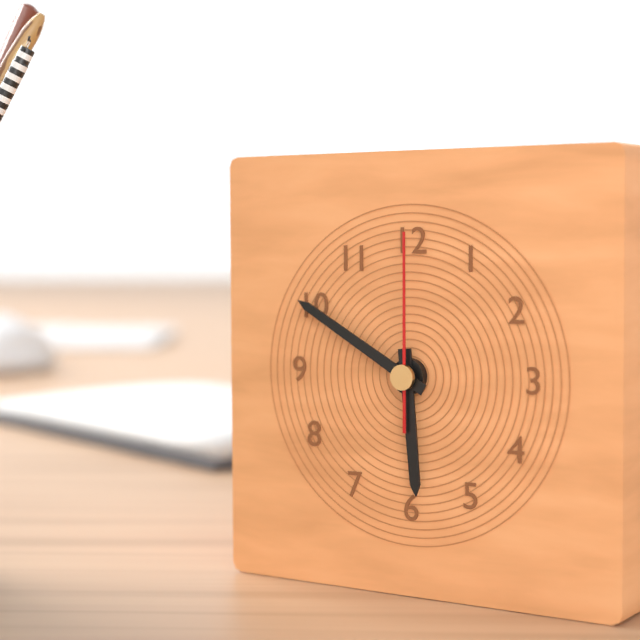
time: 5.50.00
